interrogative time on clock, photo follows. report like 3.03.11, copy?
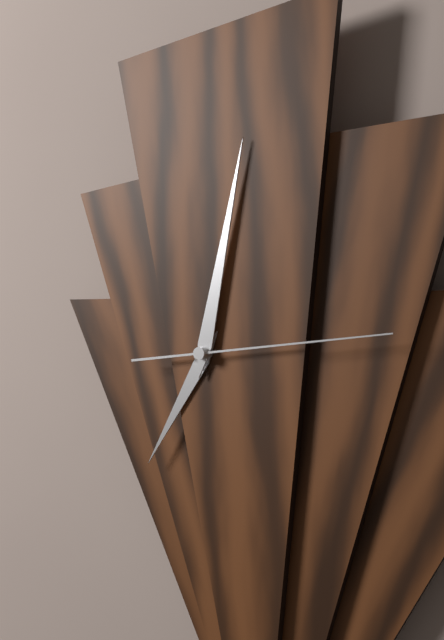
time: 7.02.14
